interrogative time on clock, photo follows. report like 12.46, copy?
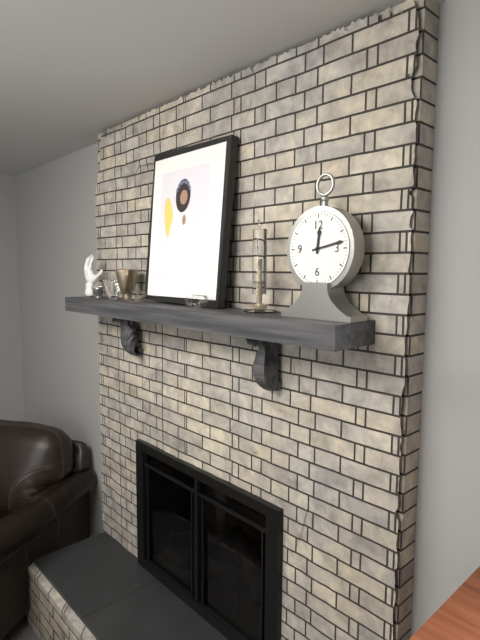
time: 12.13
